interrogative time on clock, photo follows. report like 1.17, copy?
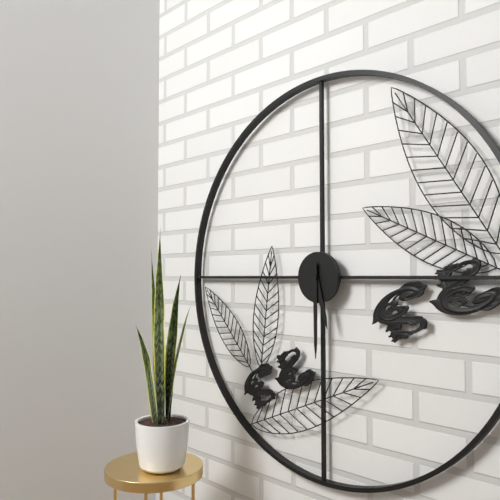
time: 5.30
